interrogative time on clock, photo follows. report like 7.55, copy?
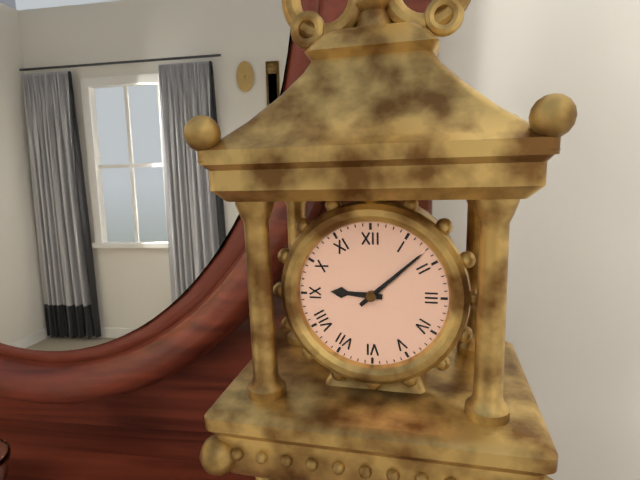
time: 9.08
